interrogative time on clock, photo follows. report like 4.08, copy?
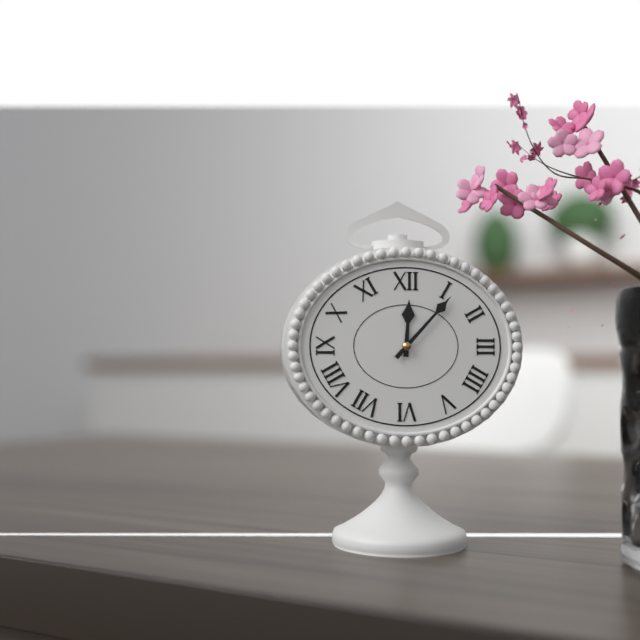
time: 12.07
